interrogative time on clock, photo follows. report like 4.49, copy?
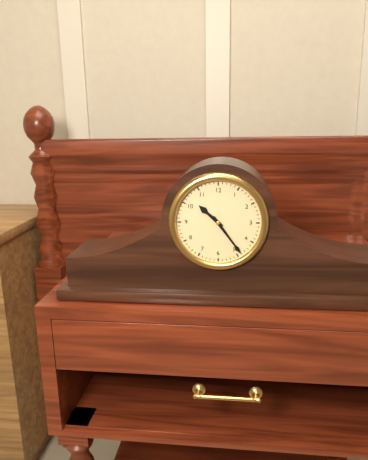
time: 10.24
